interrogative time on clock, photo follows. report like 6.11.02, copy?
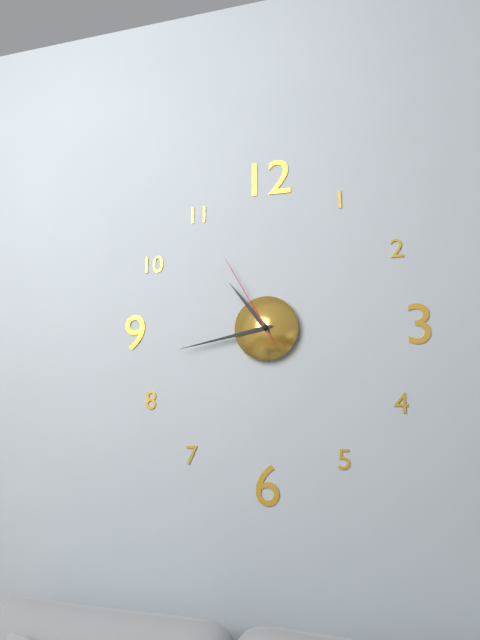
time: 10.43.55
